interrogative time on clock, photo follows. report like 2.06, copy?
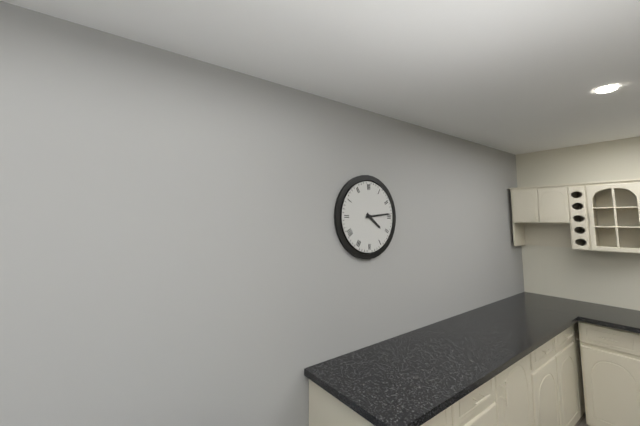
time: 4.14
